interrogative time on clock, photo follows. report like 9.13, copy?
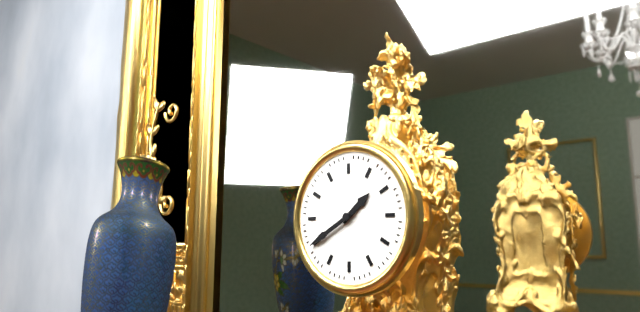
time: 1.40
